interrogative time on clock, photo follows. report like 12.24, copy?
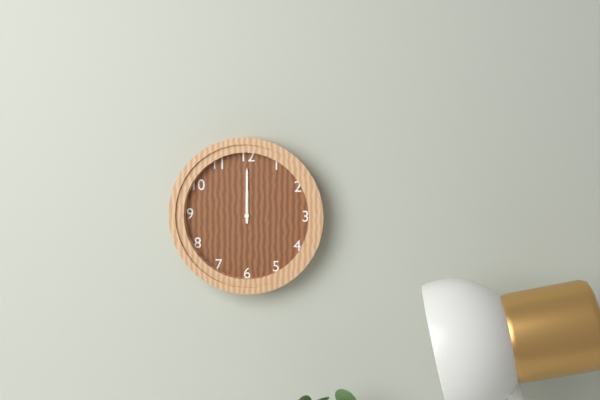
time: 12.00
